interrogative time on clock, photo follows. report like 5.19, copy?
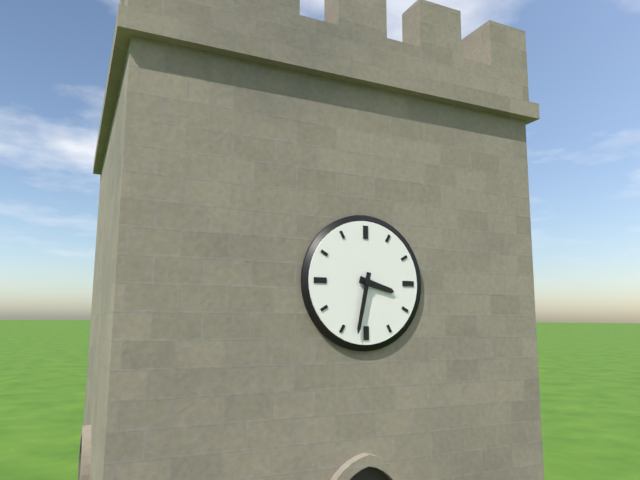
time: 3.32
